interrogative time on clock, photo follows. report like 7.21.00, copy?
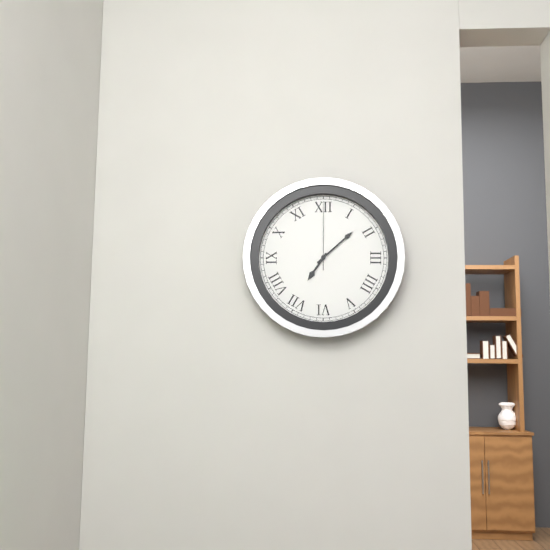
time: 7.08.00
